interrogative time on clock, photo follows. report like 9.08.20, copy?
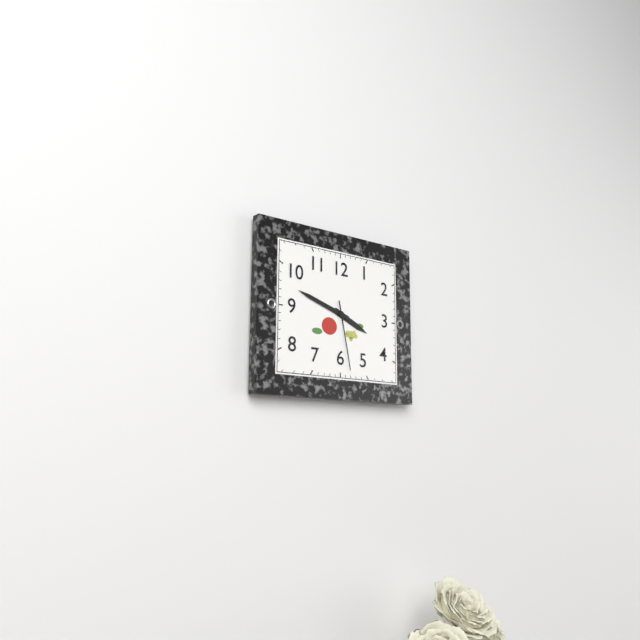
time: 3.48.28
